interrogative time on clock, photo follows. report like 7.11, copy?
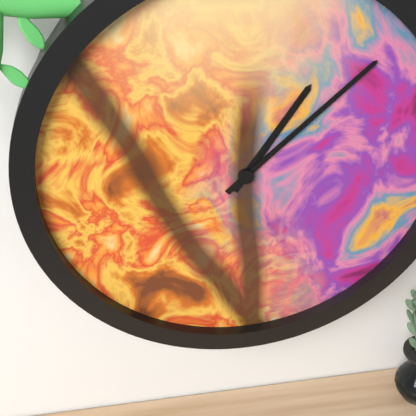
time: 1.08
